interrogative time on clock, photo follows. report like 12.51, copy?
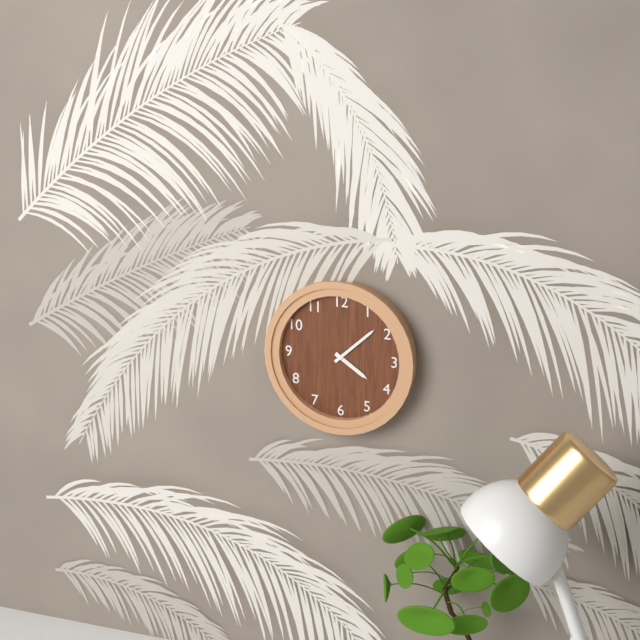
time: 4.08
